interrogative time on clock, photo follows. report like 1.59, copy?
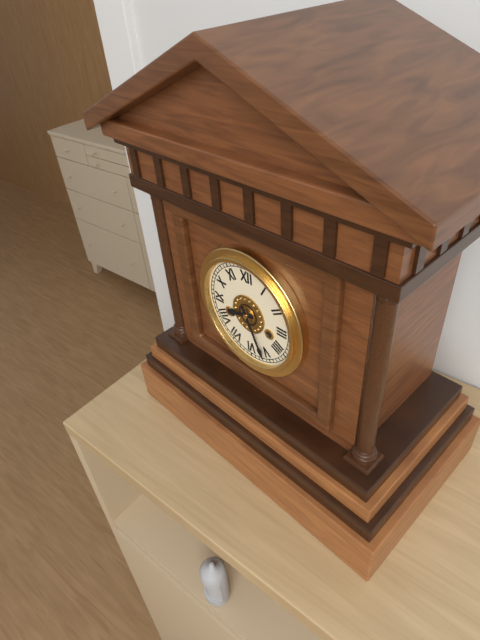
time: 8.26
